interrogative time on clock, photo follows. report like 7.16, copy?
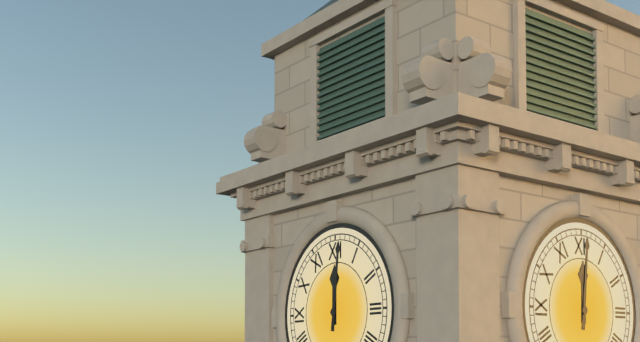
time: 12.01
